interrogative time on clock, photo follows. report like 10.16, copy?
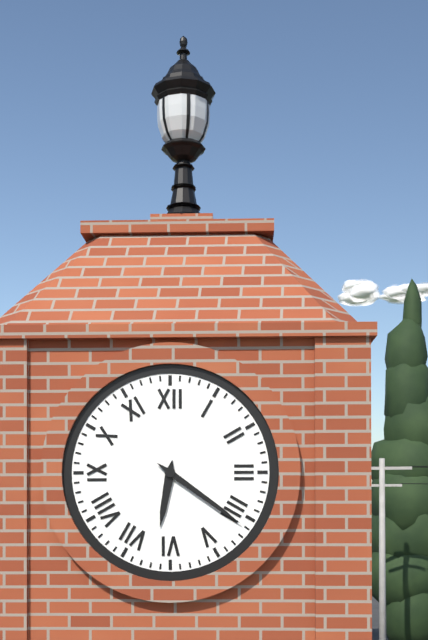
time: 6.21
